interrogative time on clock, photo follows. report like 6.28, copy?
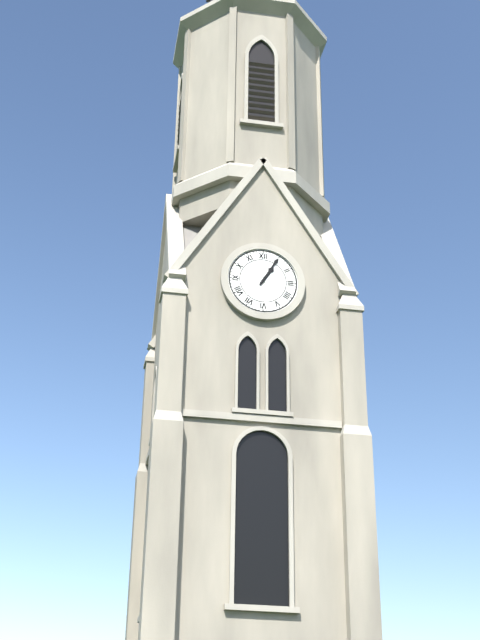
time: 1.05
